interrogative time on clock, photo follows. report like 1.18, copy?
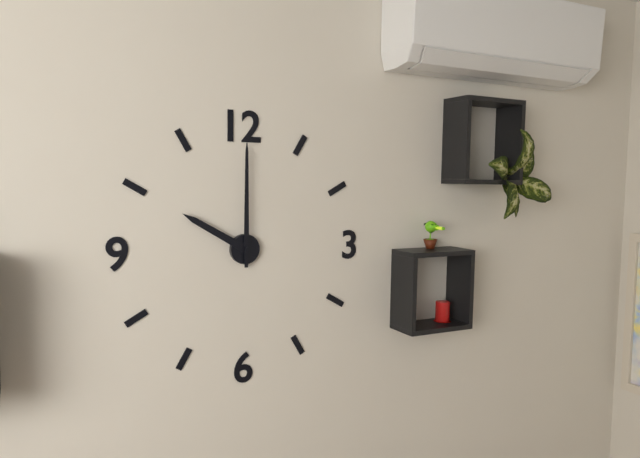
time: 10.00
